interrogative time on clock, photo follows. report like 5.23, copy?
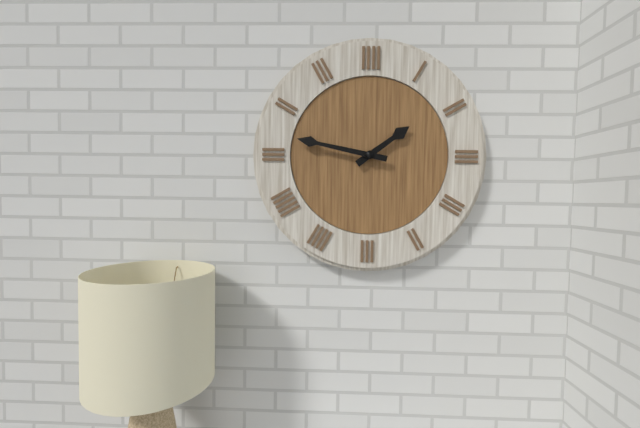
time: 1.47
